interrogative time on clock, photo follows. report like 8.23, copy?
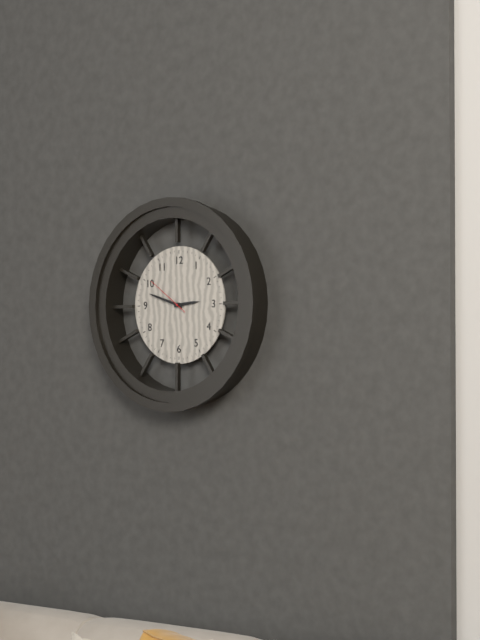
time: 2.48
